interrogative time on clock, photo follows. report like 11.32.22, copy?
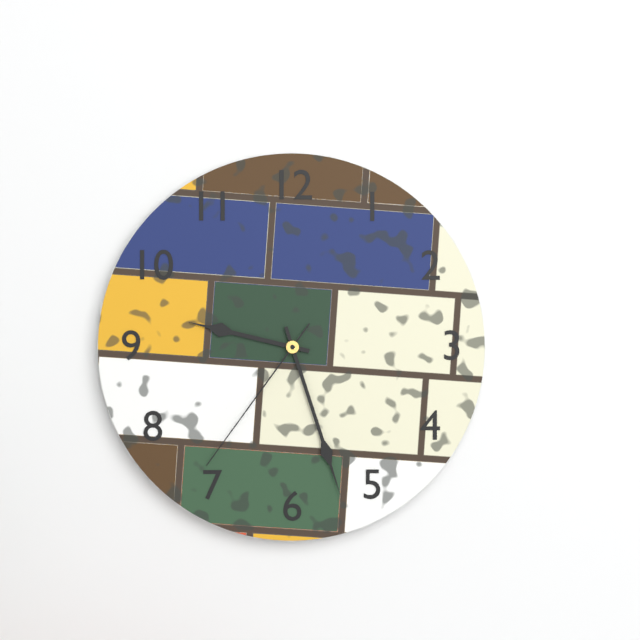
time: 9.27.36
